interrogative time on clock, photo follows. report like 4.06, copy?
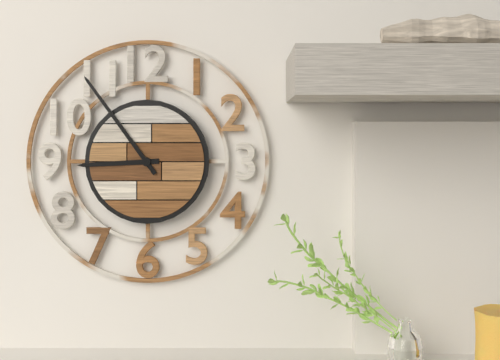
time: 8.54
